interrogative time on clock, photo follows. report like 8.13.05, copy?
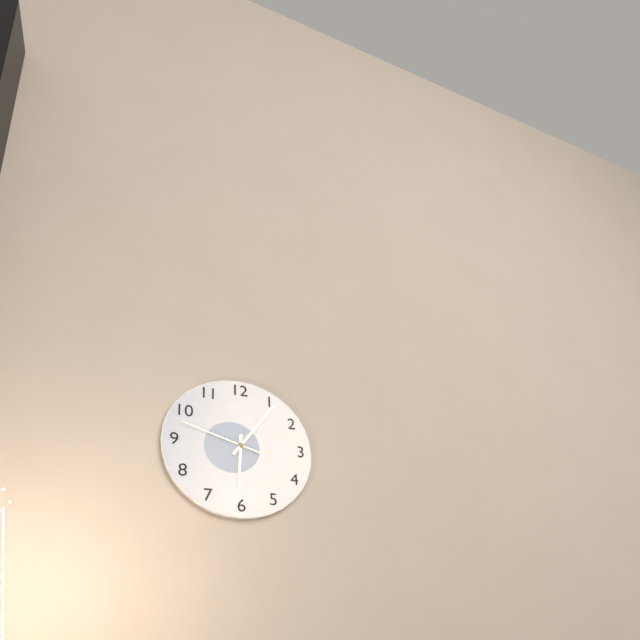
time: 6.06.48
